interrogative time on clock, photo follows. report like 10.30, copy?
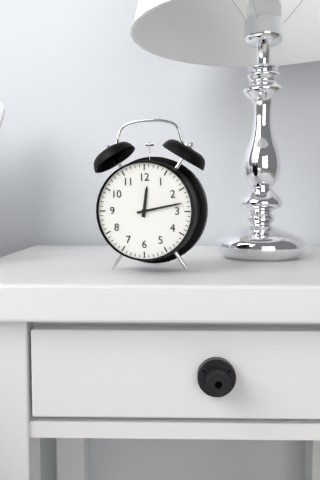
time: 12.13
